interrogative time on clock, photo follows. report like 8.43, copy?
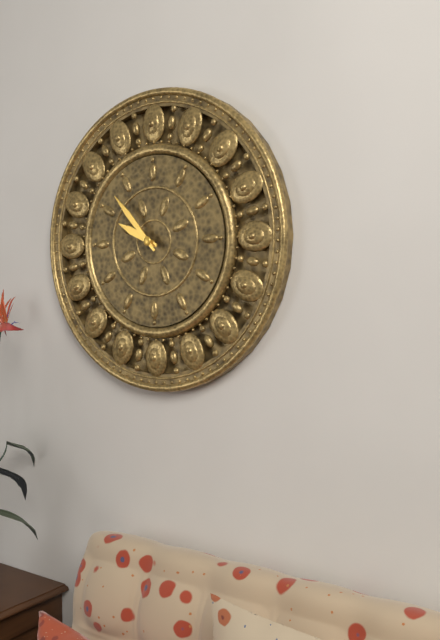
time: 9.53
